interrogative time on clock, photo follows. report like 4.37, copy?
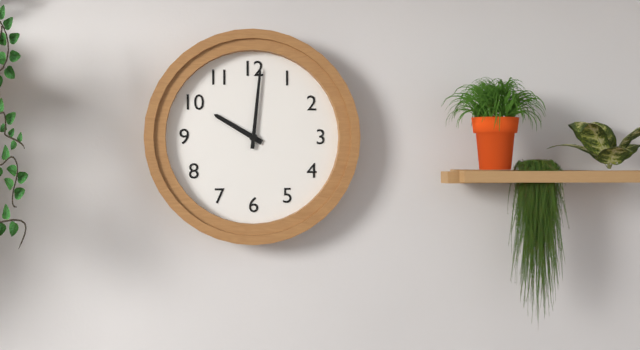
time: 10.01
